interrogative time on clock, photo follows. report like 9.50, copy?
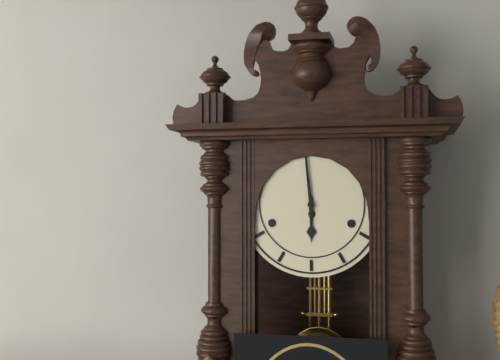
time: 5.59
